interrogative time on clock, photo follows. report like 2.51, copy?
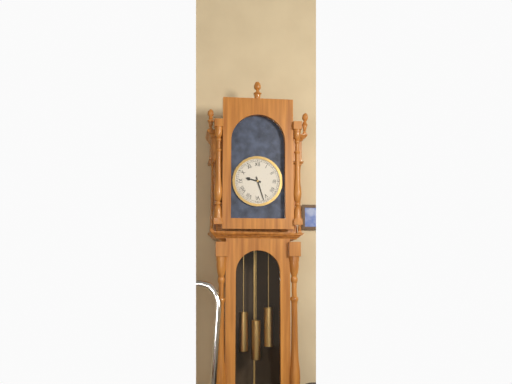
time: 9.27
